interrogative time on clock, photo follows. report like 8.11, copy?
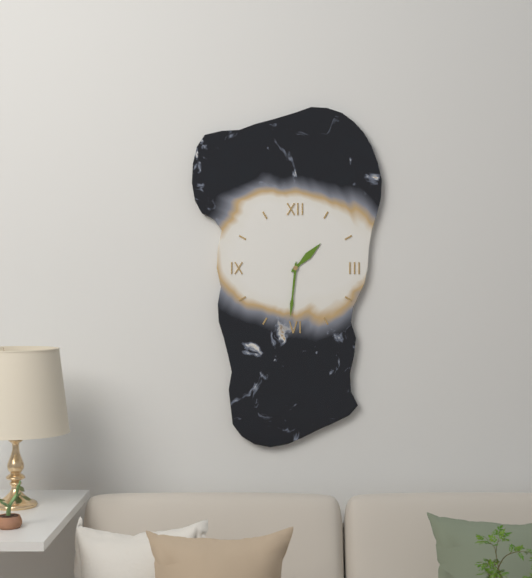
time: 1.31
